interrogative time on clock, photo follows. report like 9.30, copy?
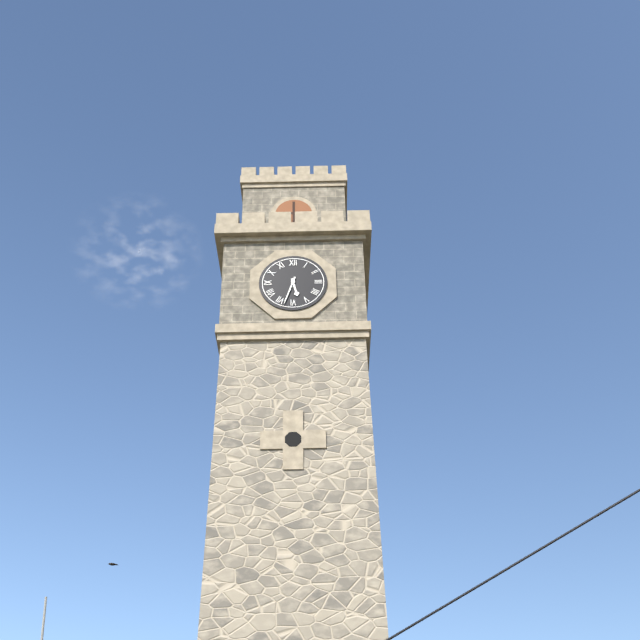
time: 5.33
